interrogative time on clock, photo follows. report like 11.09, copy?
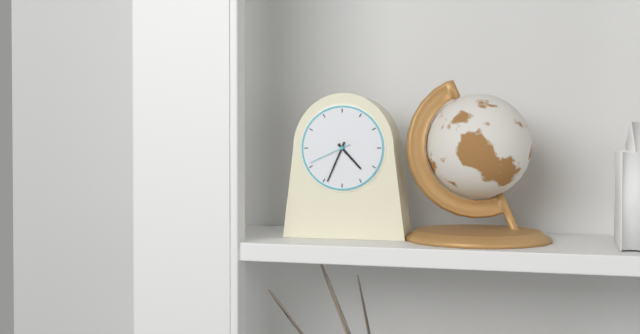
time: 4.34
